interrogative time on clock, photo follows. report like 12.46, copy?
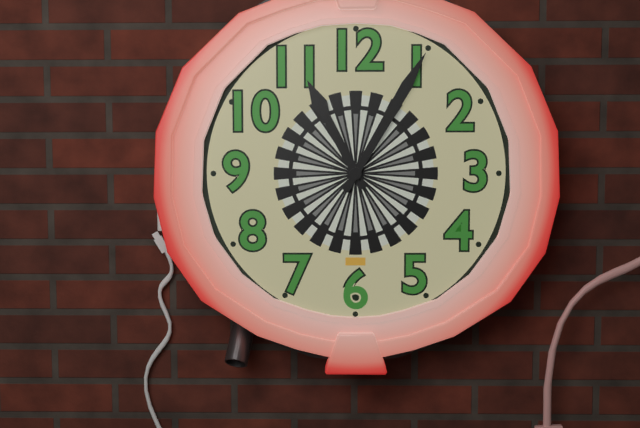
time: 11.05
